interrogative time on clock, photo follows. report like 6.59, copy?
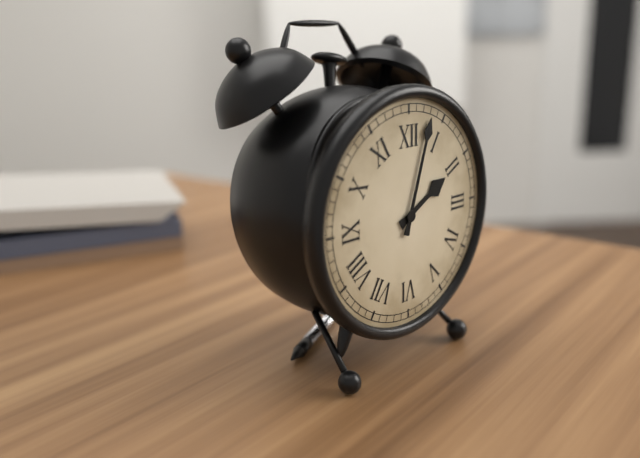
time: 2.03
